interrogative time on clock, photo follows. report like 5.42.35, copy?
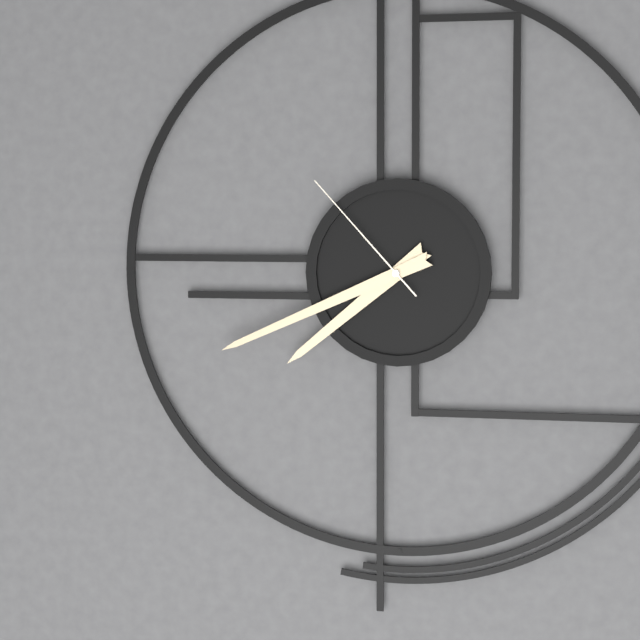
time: 7.41.53
